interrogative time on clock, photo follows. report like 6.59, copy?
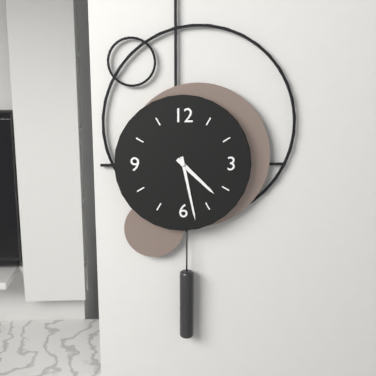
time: 4.28
